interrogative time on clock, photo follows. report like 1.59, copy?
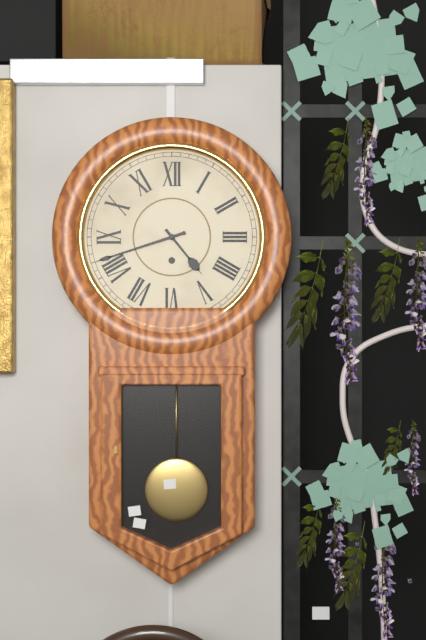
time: 4.42
